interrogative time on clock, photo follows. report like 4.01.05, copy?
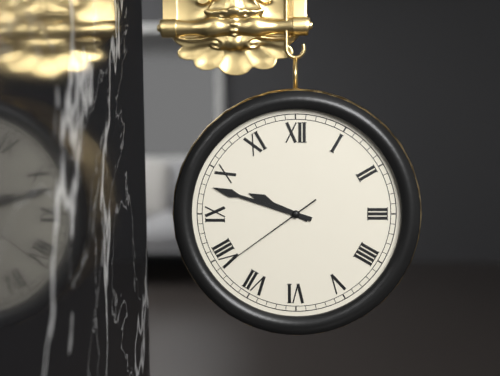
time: 9.48.39
